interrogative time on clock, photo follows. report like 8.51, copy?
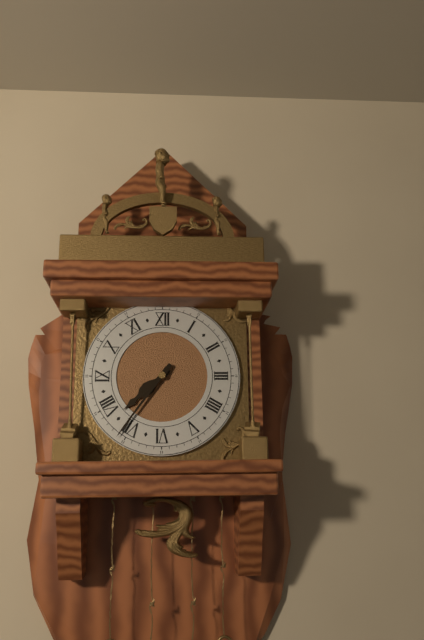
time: 7.36
